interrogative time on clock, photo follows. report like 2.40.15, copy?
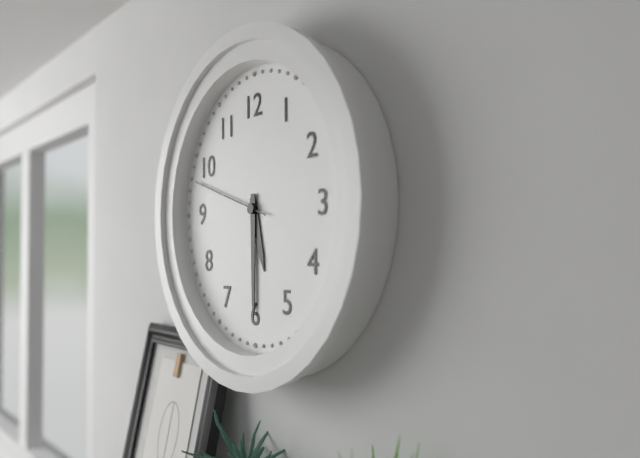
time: 5.30.48
